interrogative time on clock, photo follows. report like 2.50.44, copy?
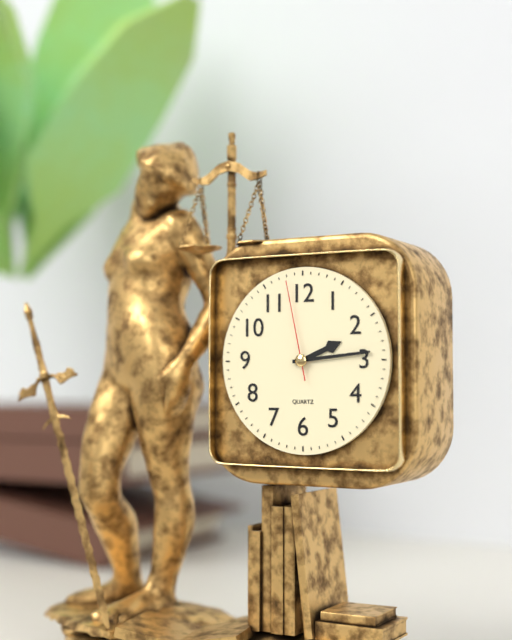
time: 2.14.58
